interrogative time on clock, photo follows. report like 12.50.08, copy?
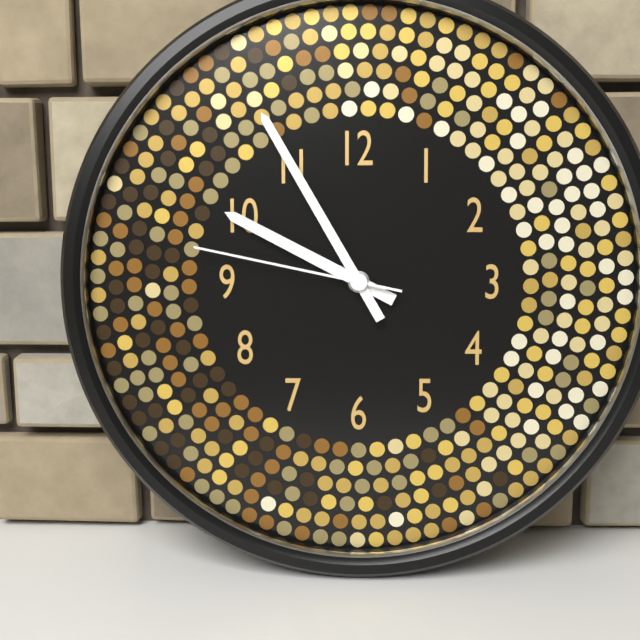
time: 9.55.47
